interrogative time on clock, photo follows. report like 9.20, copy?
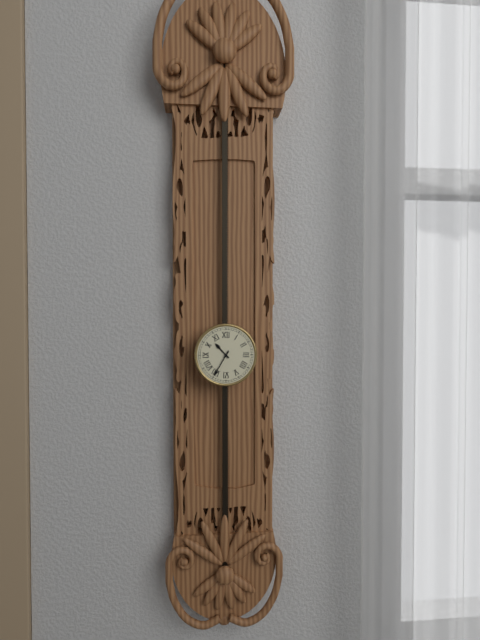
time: 10.35
